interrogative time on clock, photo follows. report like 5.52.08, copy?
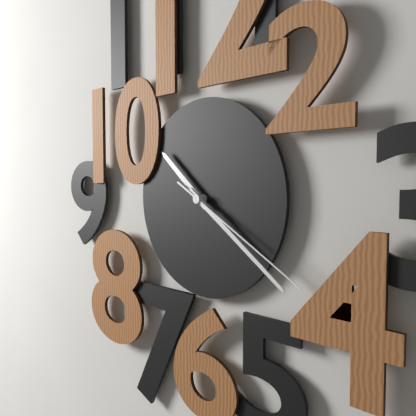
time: 10.21.20
